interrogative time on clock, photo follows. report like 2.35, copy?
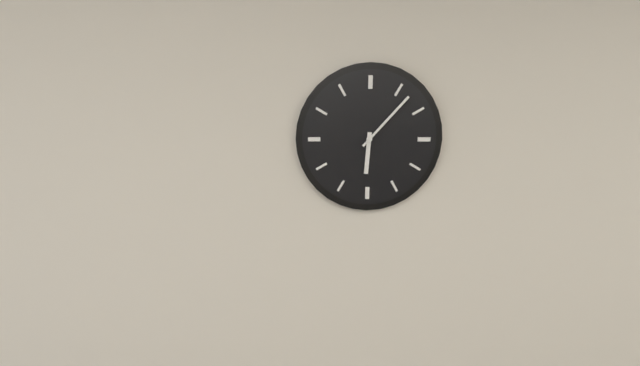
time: 6.07
